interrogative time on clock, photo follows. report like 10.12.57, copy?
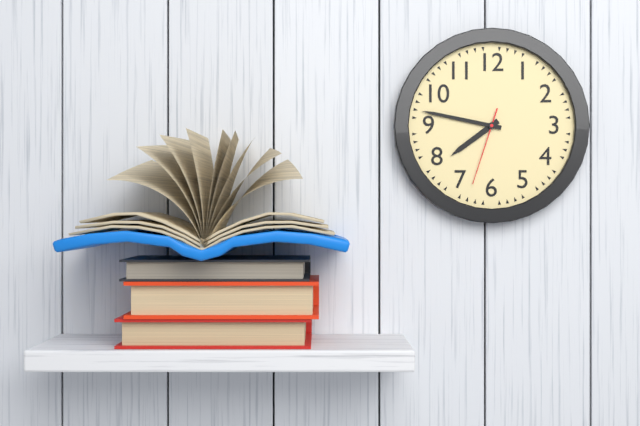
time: 7.47.33
